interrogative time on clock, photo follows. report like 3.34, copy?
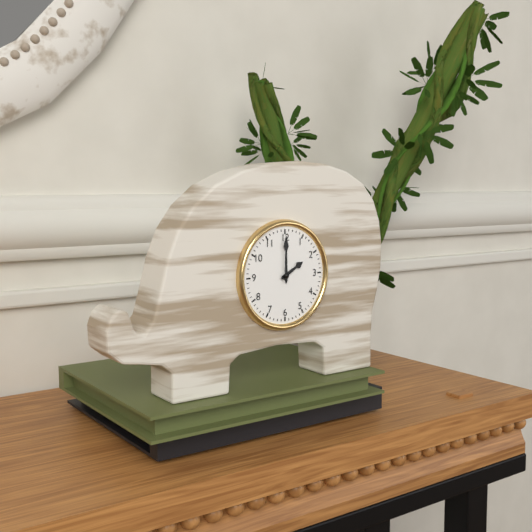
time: 2.00
